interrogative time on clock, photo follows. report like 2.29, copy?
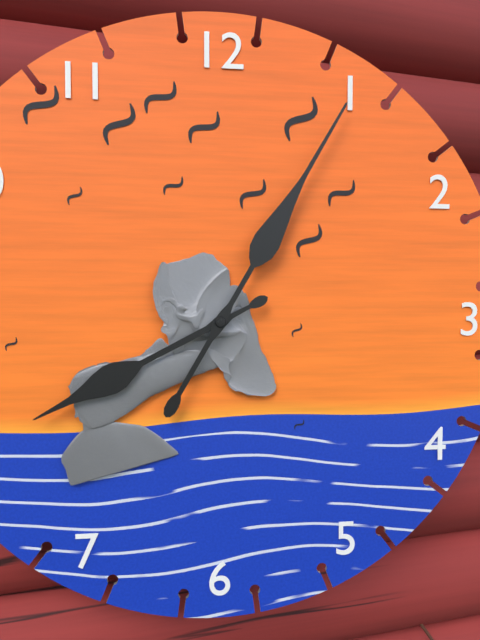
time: 8.05
